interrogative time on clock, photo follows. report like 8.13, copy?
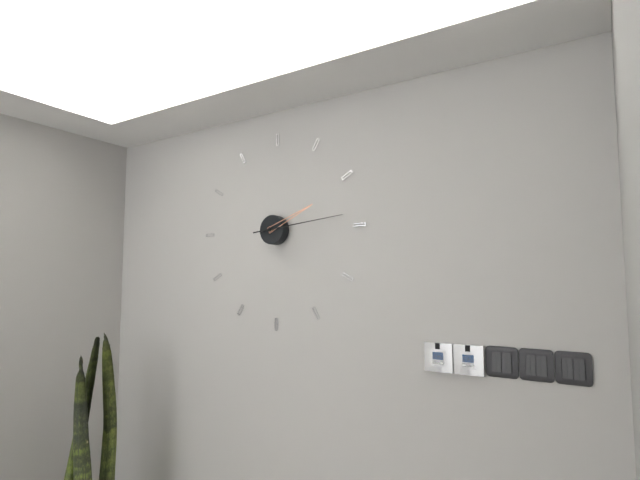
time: 2.14
